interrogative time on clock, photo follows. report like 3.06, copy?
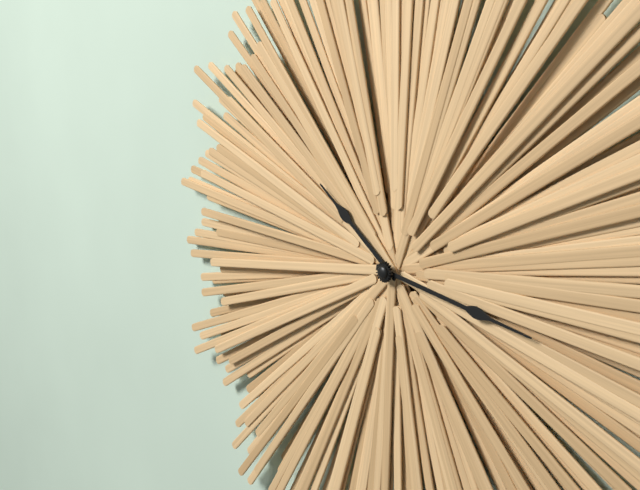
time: 10.17
